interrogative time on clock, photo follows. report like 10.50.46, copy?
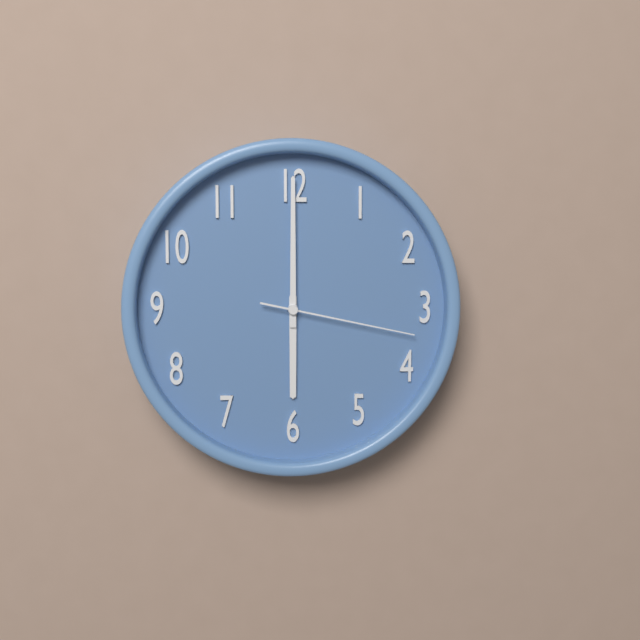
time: 6.00.17
